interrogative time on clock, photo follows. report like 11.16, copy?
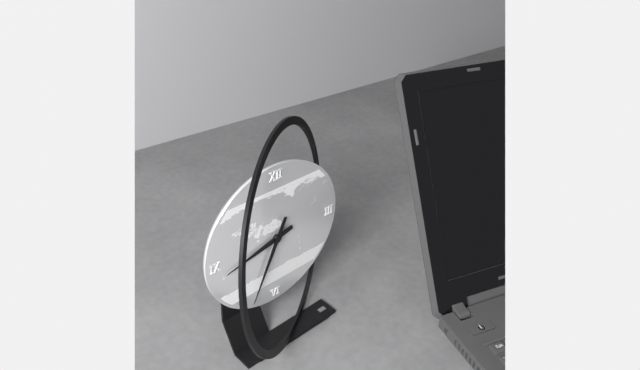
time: 8.34
